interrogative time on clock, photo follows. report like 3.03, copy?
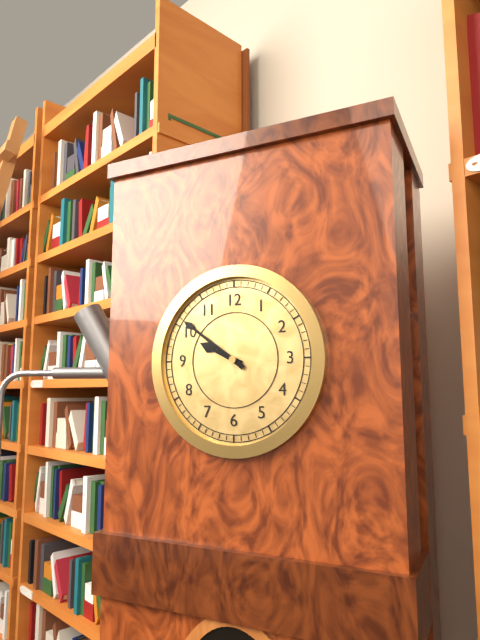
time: 9.51
